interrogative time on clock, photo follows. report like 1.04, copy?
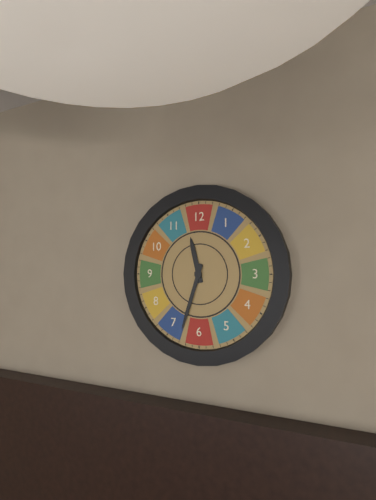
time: 11.33
